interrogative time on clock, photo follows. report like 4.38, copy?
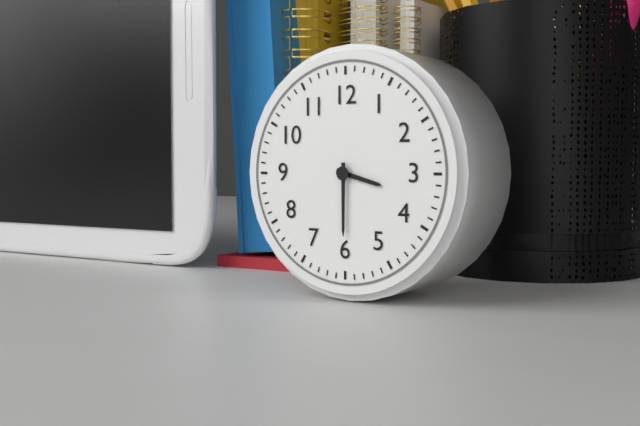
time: 3.30
